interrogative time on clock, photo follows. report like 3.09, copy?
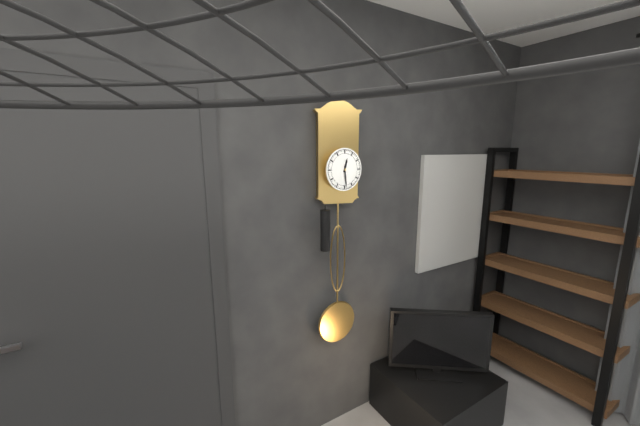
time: 12.29
